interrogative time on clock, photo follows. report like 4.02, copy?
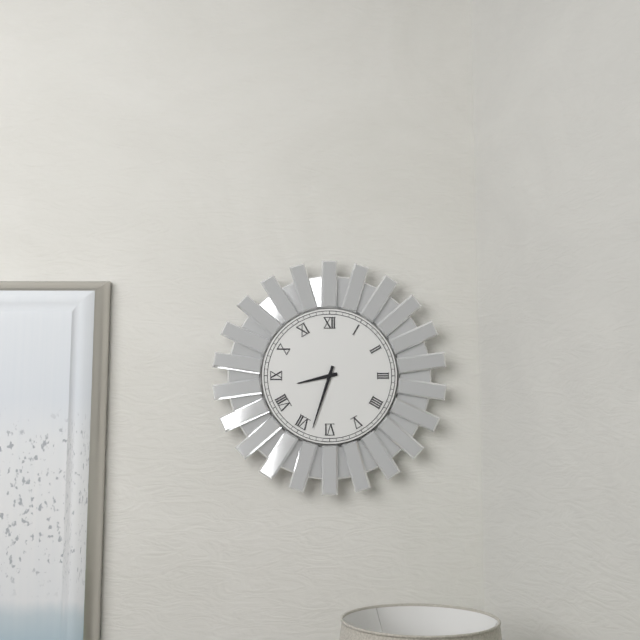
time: 8.33
